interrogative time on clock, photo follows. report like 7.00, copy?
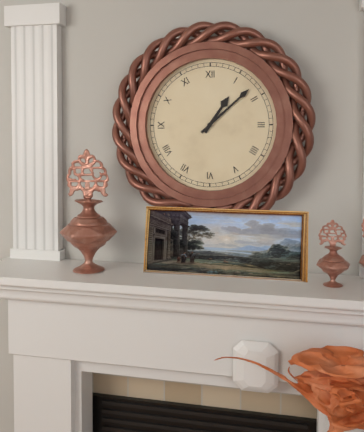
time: 1.08
